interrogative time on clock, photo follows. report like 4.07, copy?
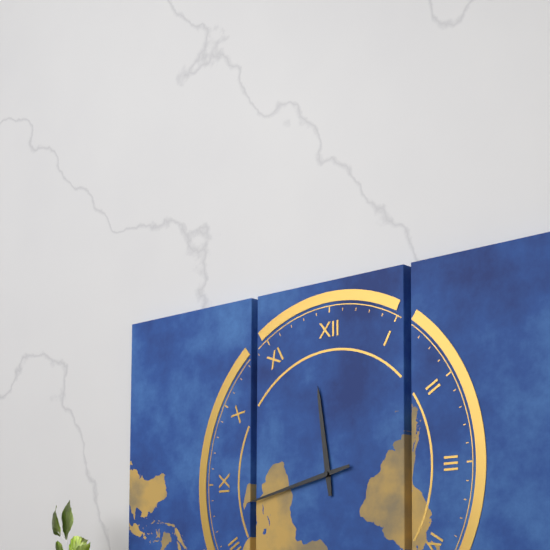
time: 11.43
